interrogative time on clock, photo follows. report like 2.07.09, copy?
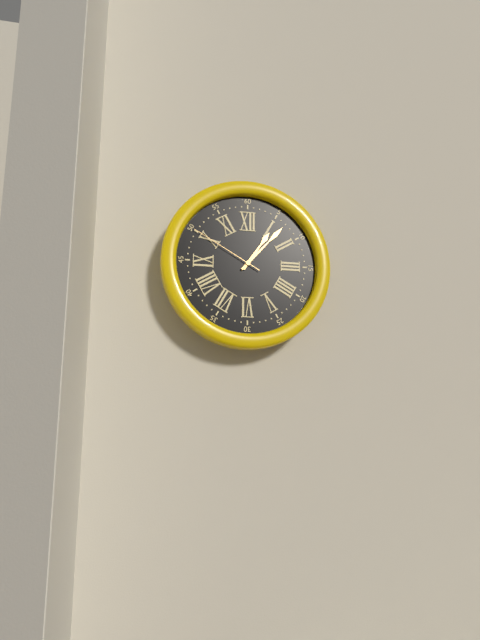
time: 1.07.50
